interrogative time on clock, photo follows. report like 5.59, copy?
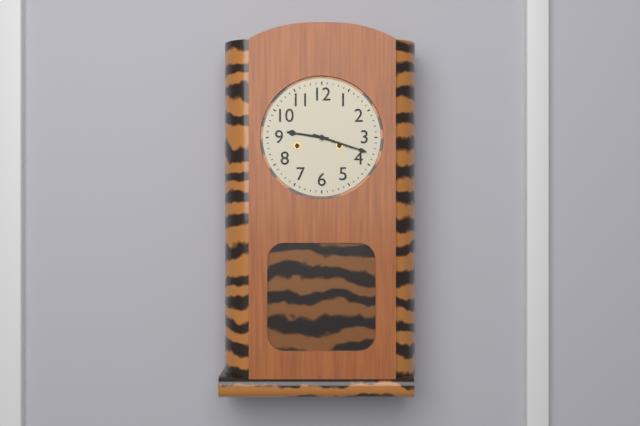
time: 9.18
